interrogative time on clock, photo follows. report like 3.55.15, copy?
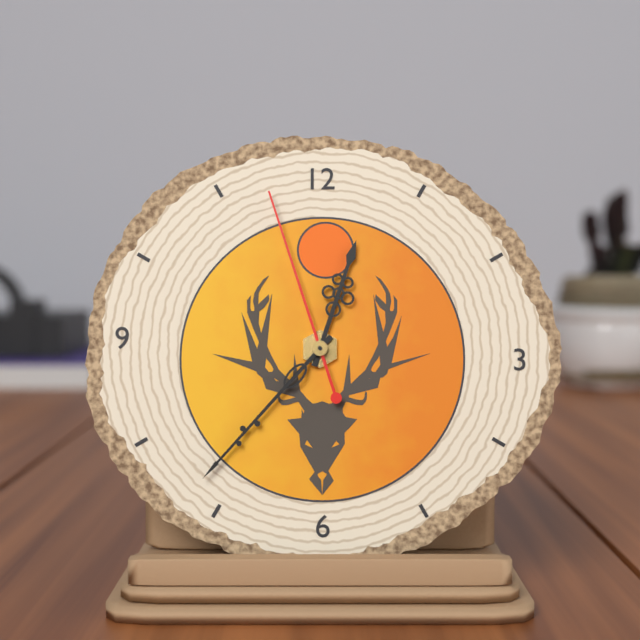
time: 12.37.57
